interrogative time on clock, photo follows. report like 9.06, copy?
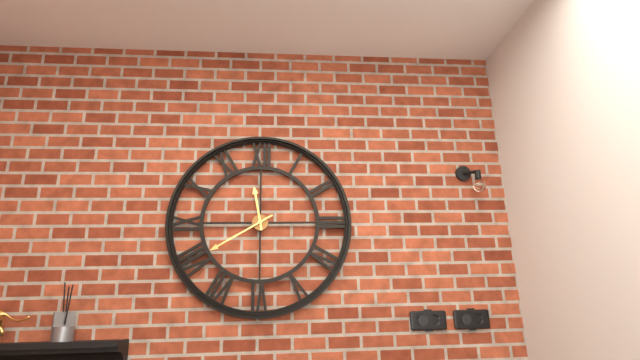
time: 11.40
